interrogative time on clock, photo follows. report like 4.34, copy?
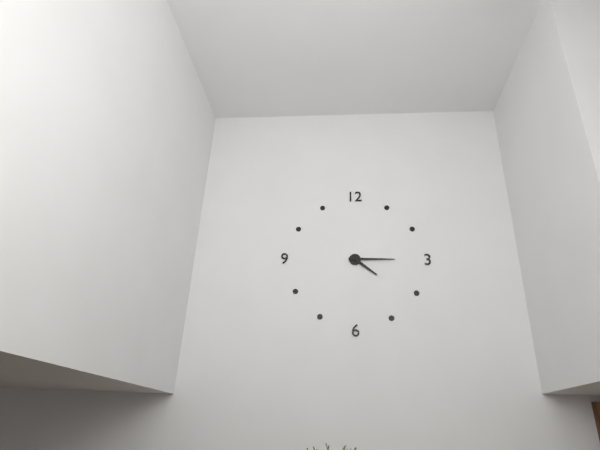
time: 4.15
